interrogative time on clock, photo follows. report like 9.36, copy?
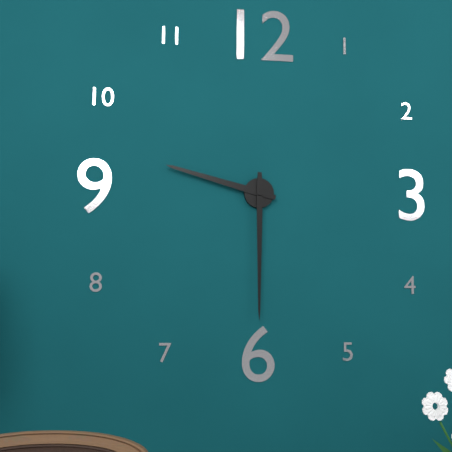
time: 9.30
